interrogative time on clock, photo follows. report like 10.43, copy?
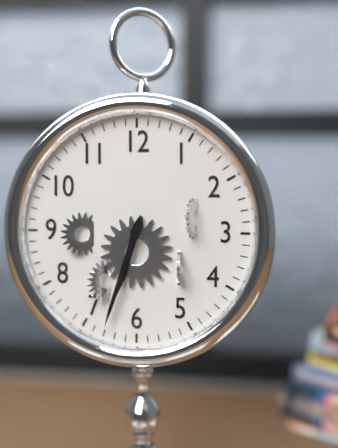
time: 6.33
